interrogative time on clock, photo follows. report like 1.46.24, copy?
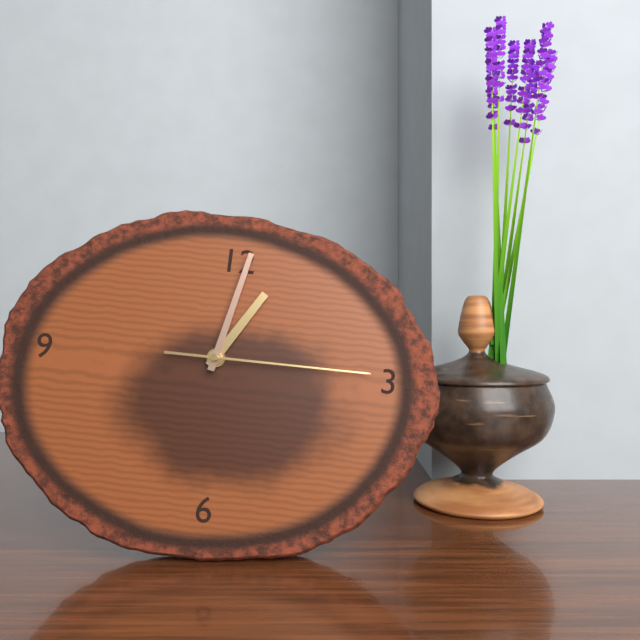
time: 1.02.15
